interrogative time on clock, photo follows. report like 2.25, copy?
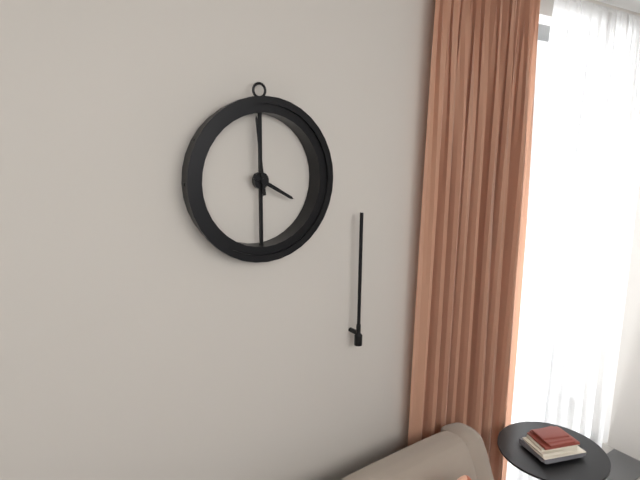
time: 3.59
